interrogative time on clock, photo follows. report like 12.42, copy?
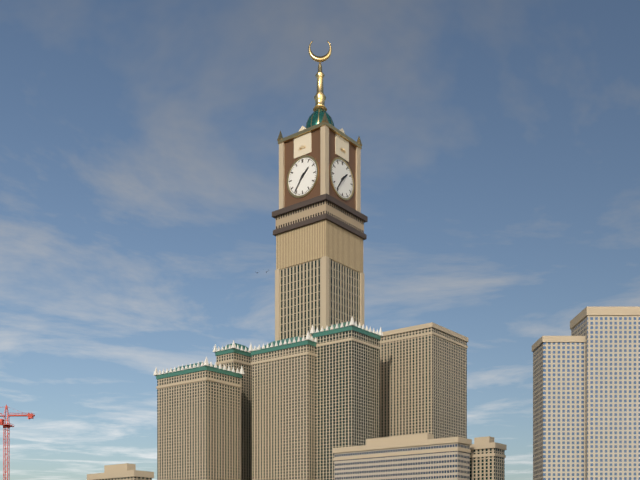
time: 1.36
